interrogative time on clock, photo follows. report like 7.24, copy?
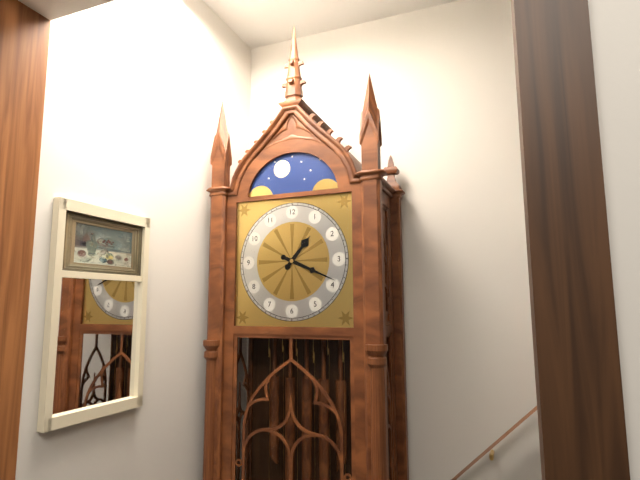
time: 1.19
